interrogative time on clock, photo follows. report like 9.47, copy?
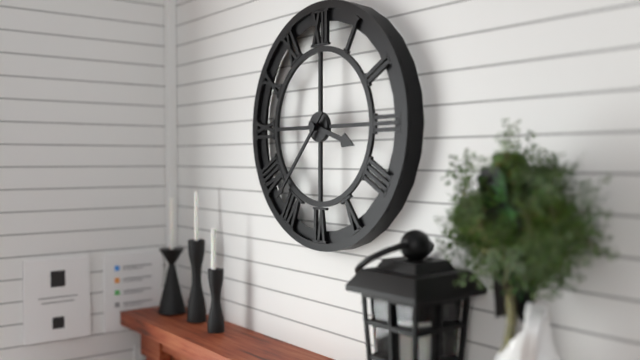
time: 3.37
